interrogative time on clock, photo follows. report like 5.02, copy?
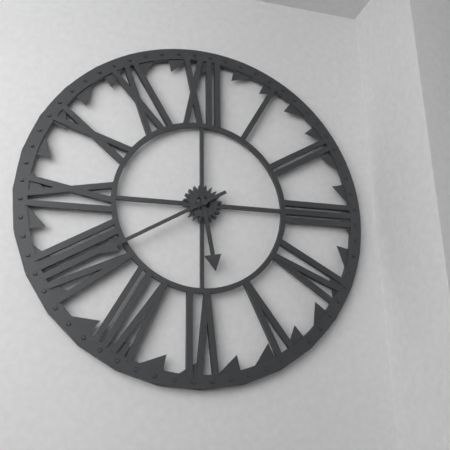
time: 5.40
